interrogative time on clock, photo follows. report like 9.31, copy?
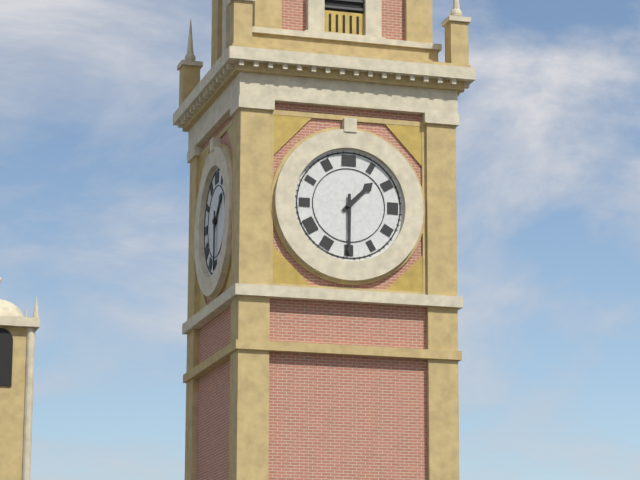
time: 1.30
